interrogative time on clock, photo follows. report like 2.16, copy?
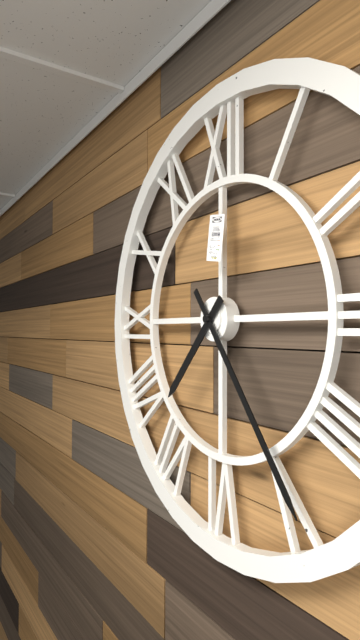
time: 7.24
